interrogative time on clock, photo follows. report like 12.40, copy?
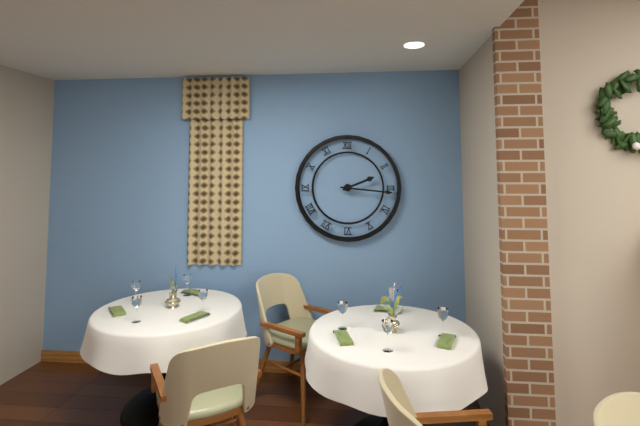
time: 2.16
